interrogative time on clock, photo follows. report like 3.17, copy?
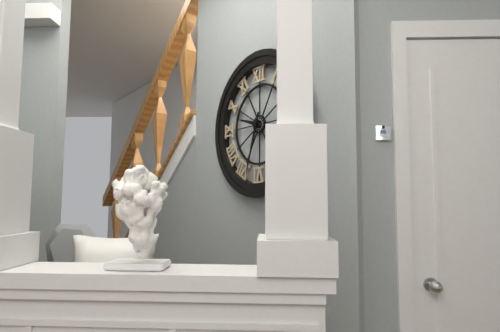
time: 9.33
